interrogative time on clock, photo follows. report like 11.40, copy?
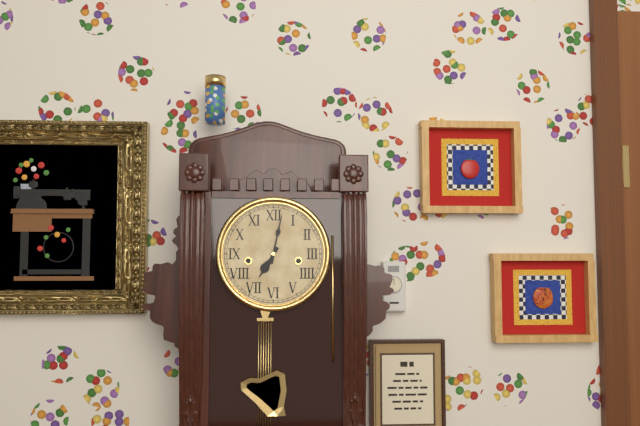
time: 7.02
